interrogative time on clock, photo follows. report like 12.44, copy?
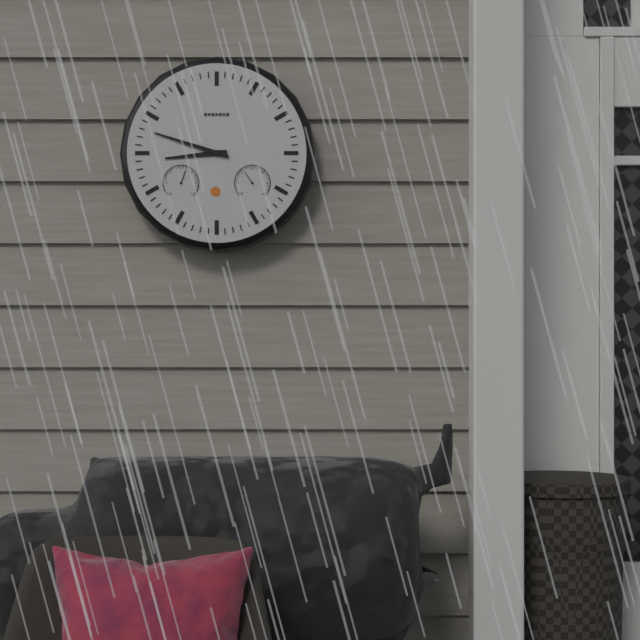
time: 8.48
